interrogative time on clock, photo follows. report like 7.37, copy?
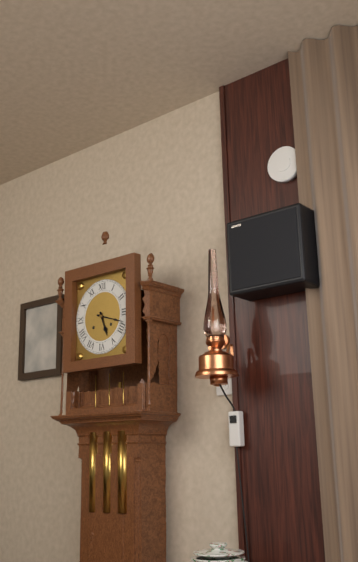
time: 5.18
